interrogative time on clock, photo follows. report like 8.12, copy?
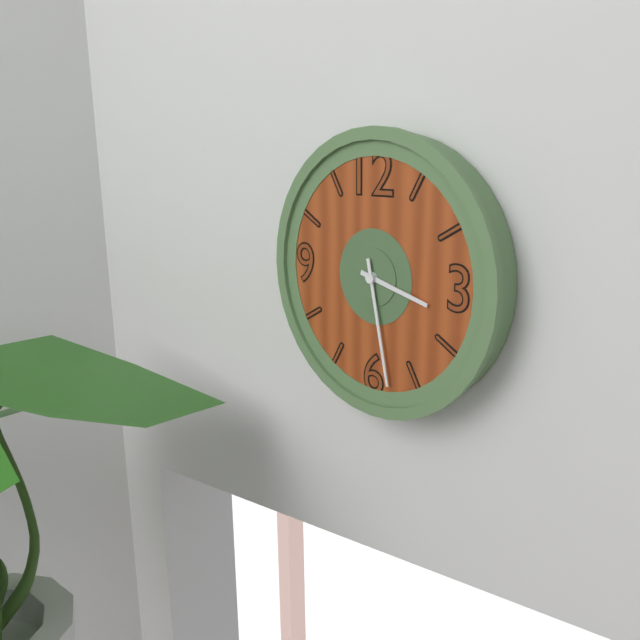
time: 3.28
